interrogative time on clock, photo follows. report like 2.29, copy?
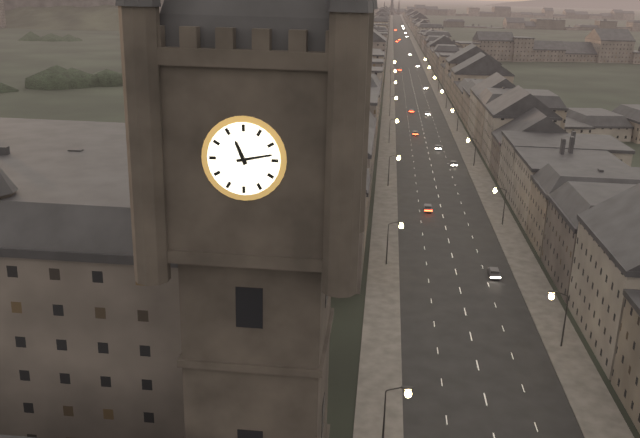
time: 11.13
